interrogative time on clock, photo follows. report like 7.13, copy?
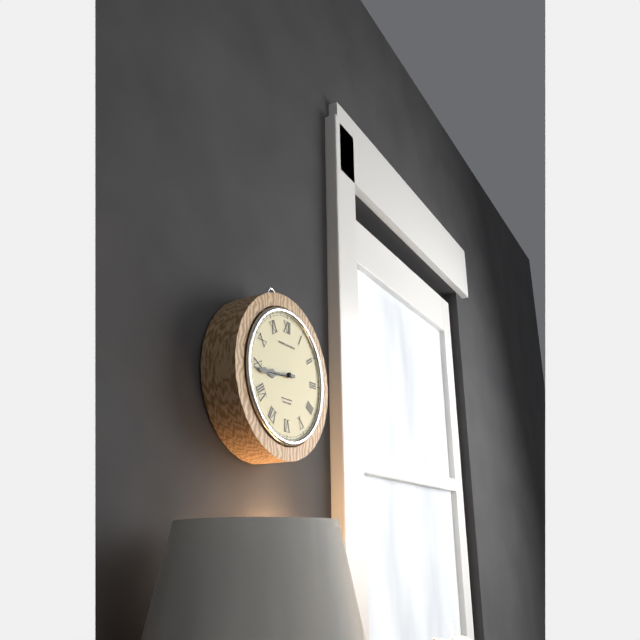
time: 8.44
